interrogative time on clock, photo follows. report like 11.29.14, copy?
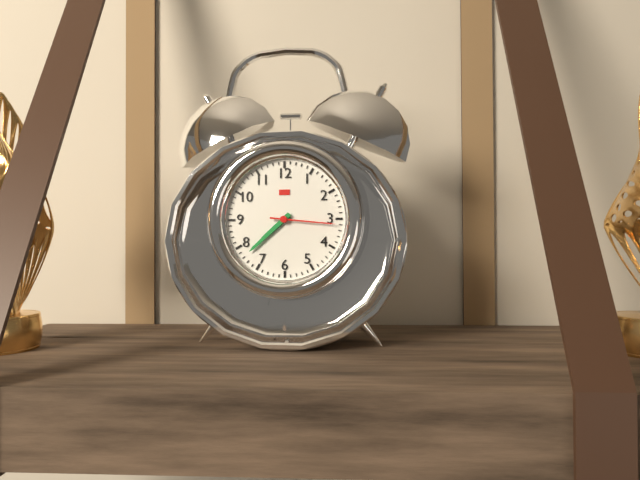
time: 7.38.16
